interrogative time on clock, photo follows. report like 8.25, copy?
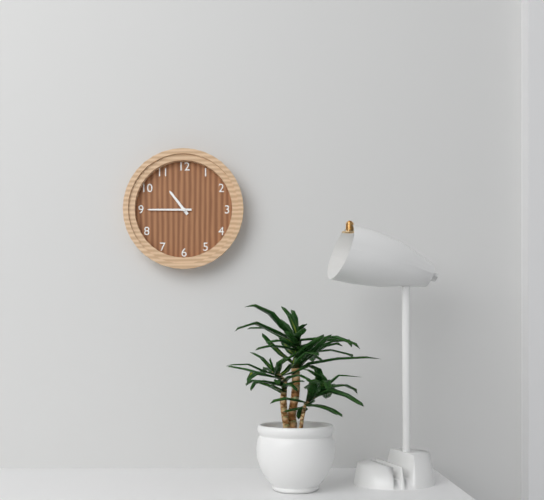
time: 10.45
